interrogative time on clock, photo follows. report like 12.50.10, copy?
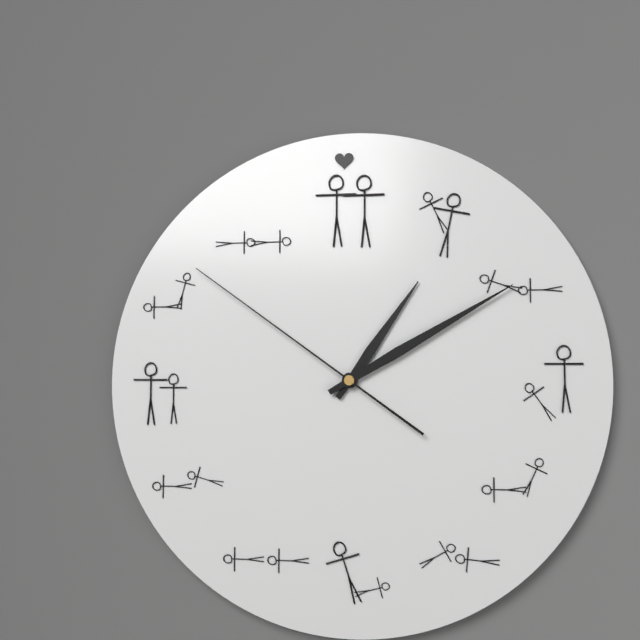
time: 1.10.51
